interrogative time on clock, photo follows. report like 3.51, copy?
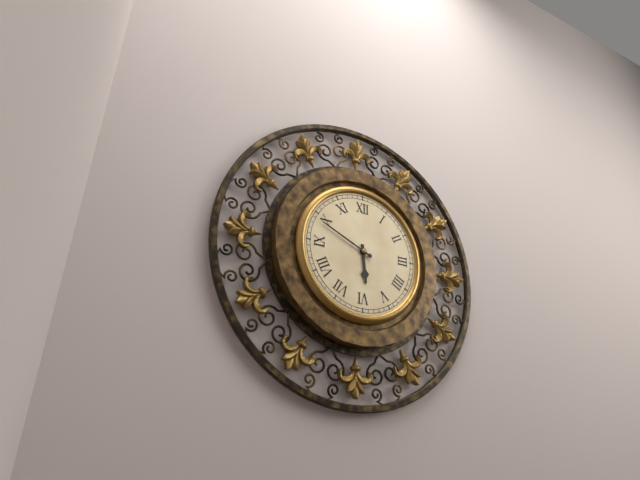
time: 5.49
